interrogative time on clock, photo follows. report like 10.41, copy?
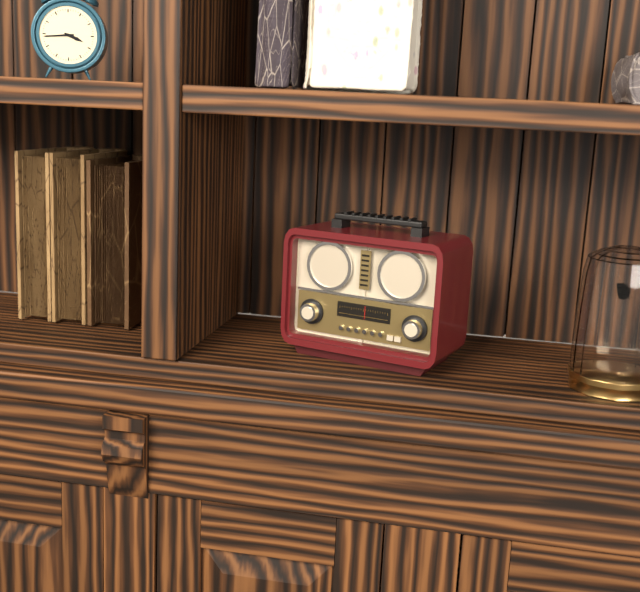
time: 3.44
